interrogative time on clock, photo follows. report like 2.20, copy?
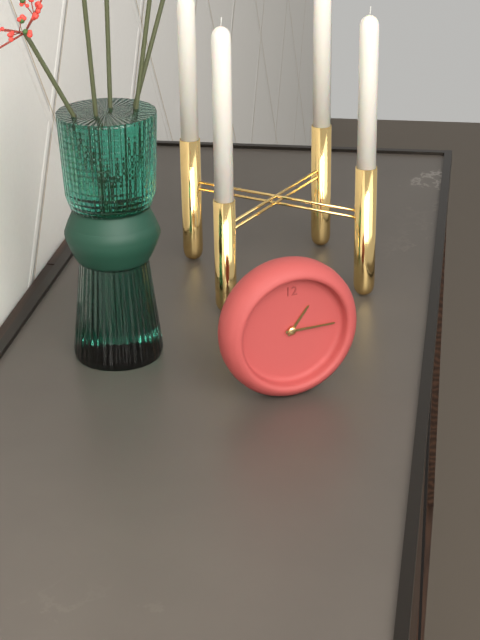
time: 1.15
